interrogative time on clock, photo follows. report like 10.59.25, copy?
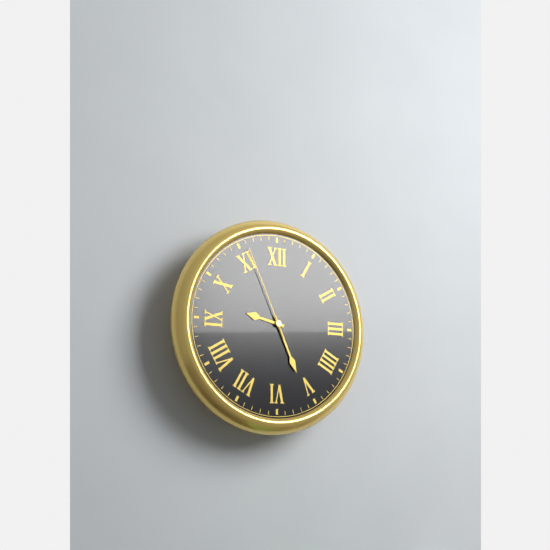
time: 9.26.56
